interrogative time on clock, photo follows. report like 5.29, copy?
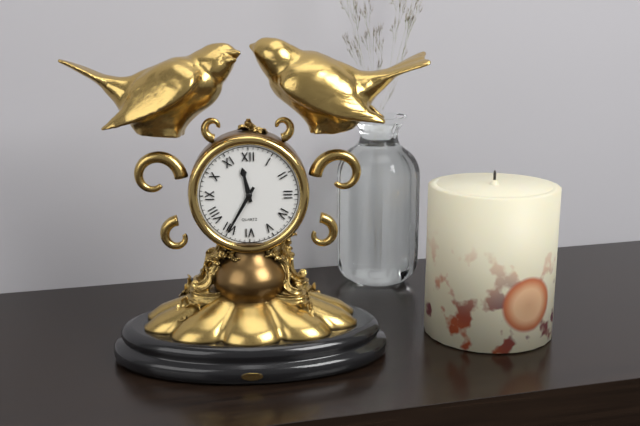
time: 11.35
